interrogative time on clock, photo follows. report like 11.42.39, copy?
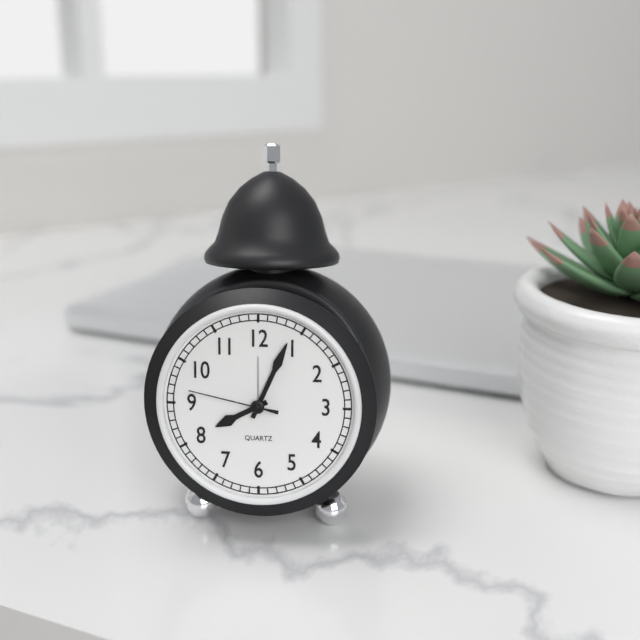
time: 8.04.47
